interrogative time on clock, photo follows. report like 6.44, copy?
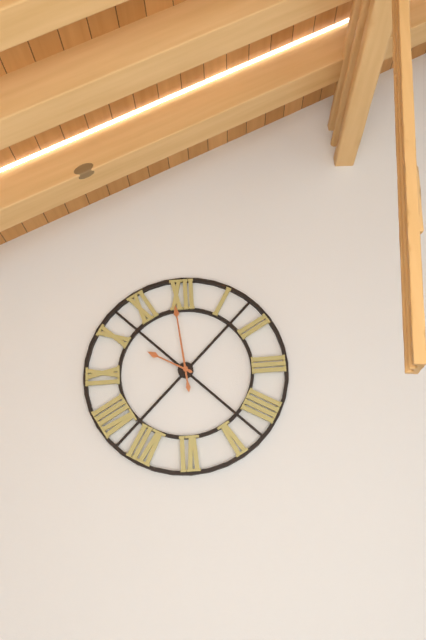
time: 9.59
